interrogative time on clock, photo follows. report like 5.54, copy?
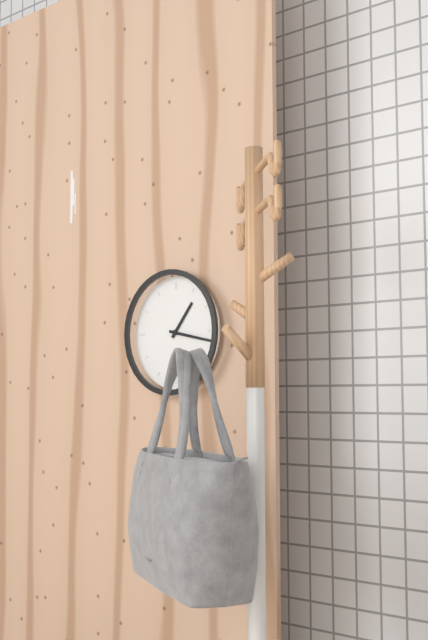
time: 1.17
